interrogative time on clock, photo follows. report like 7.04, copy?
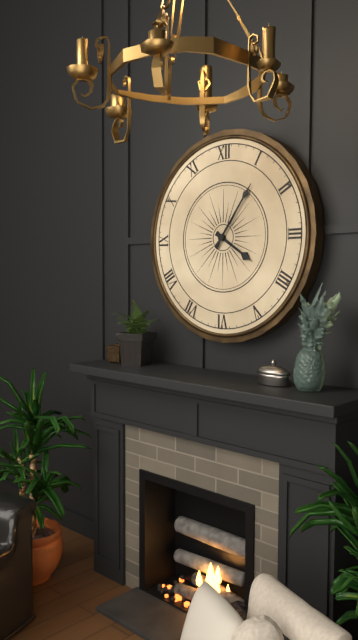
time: 4.06
